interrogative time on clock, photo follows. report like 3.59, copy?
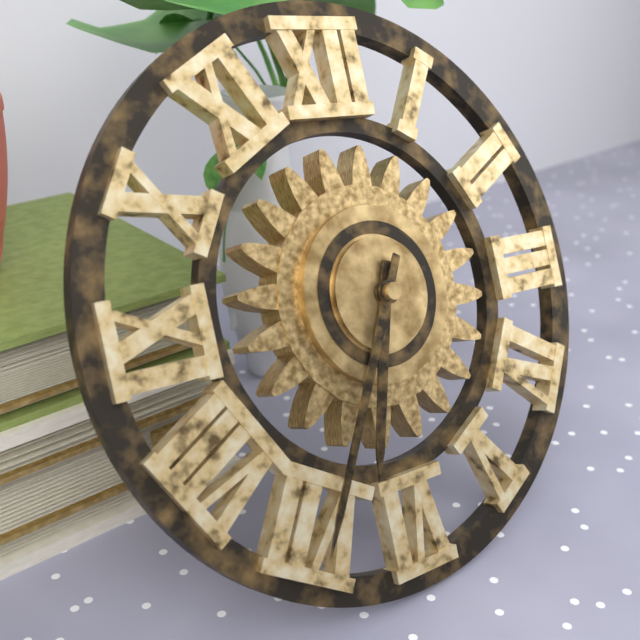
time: 6.35
